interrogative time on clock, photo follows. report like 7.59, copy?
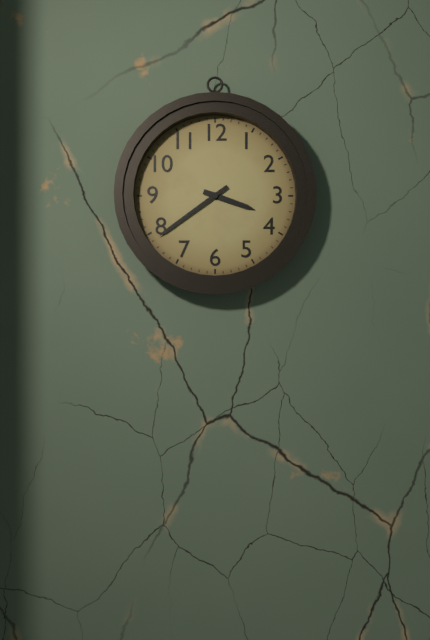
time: 3.39
